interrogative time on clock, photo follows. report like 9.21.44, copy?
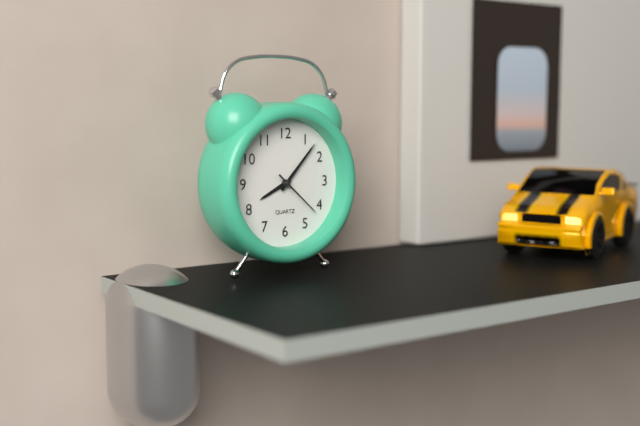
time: 8.07.22
